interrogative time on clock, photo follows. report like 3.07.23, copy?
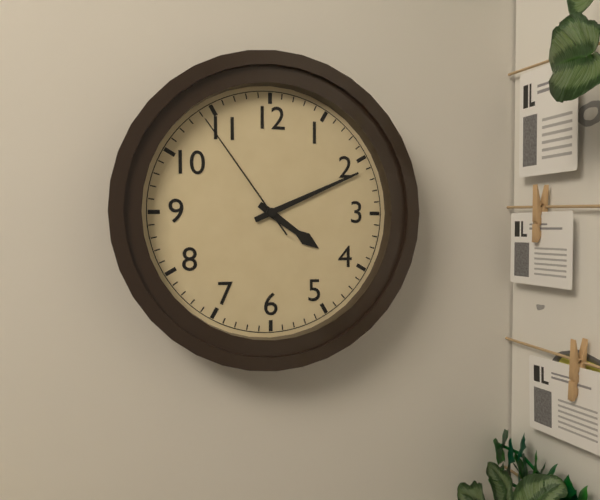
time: 4.11.54
